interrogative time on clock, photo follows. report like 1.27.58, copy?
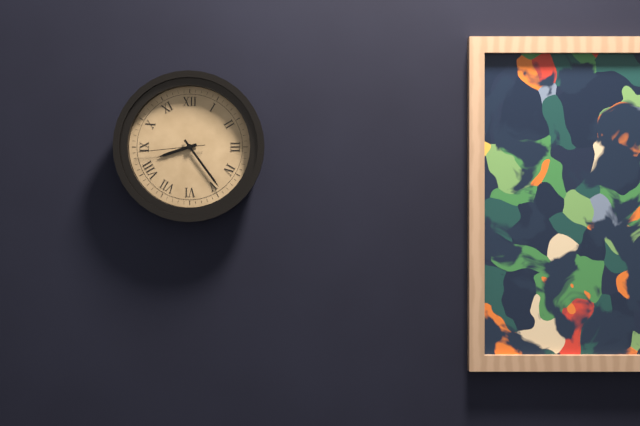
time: 8.24.44
